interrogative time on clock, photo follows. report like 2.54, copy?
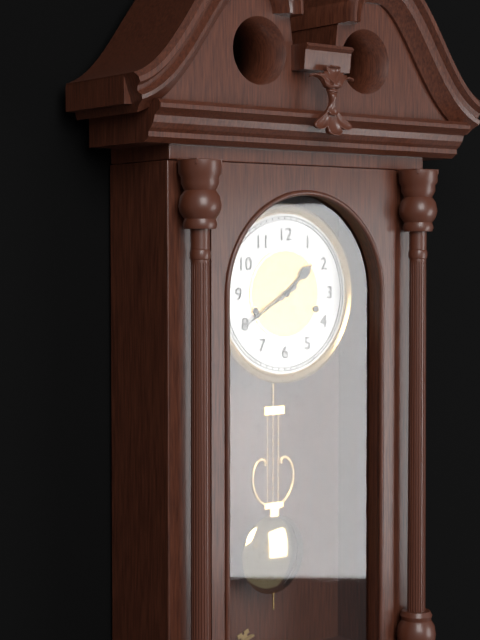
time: 1.40
